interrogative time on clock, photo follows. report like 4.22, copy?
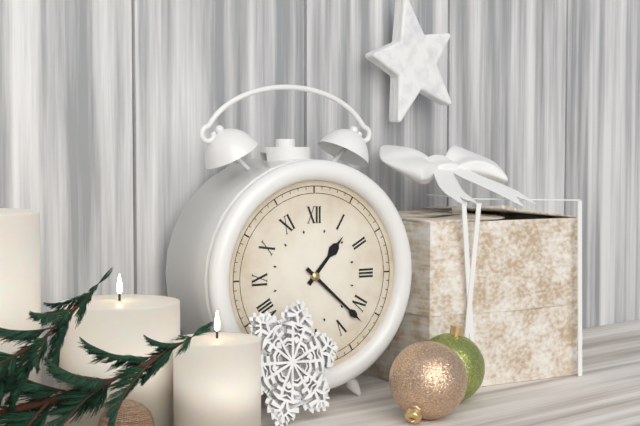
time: 1.22
